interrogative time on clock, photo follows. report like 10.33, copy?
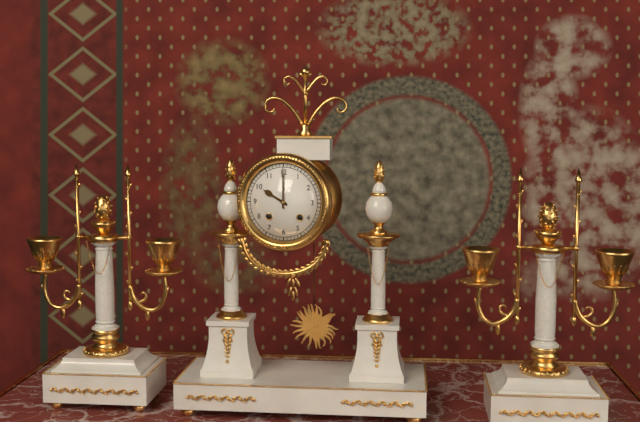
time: 10.00
